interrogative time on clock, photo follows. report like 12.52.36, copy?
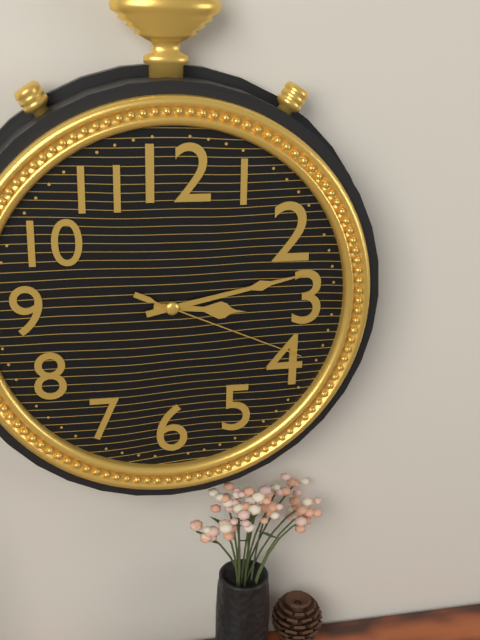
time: 3.13.19
